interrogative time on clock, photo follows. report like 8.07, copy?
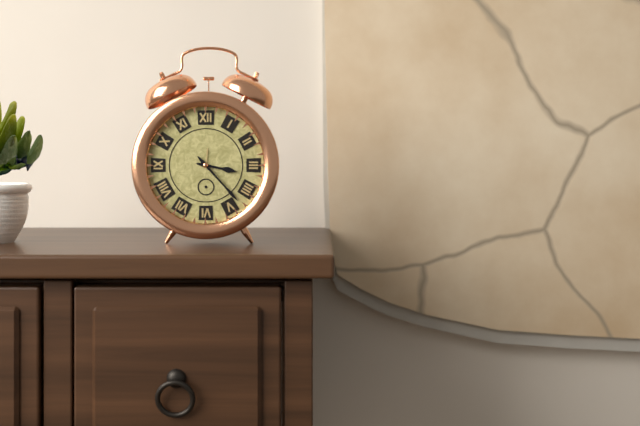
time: 3.23
